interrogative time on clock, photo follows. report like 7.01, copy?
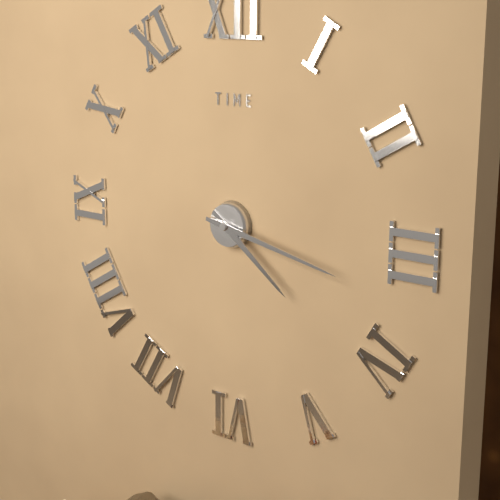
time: 4.17
